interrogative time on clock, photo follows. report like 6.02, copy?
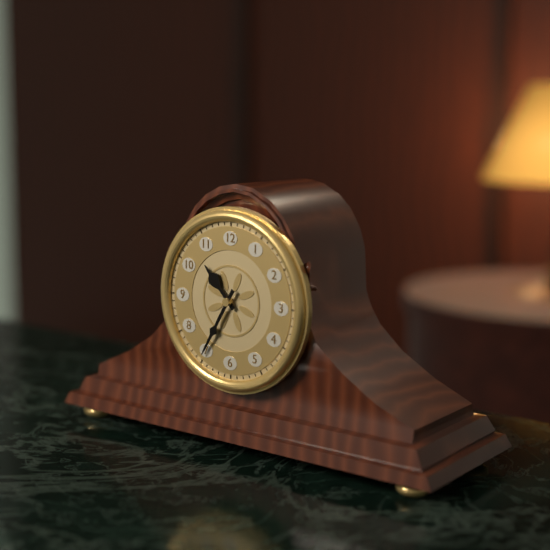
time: 10.35
